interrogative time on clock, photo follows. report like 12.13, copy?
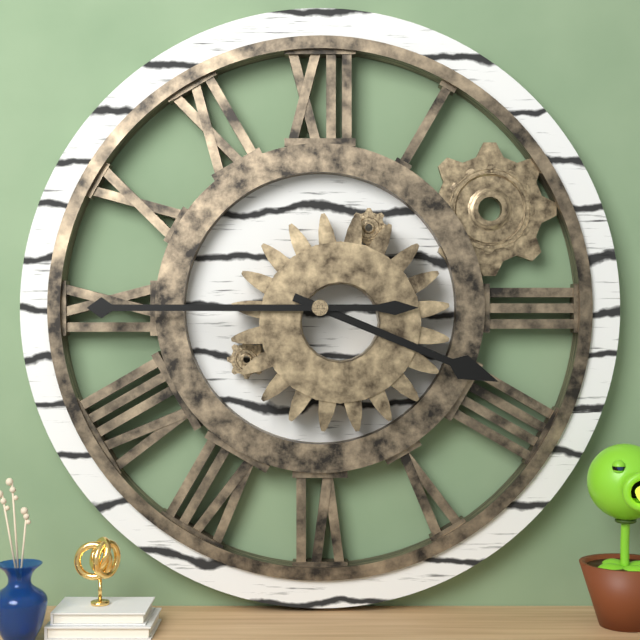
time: 3.45
